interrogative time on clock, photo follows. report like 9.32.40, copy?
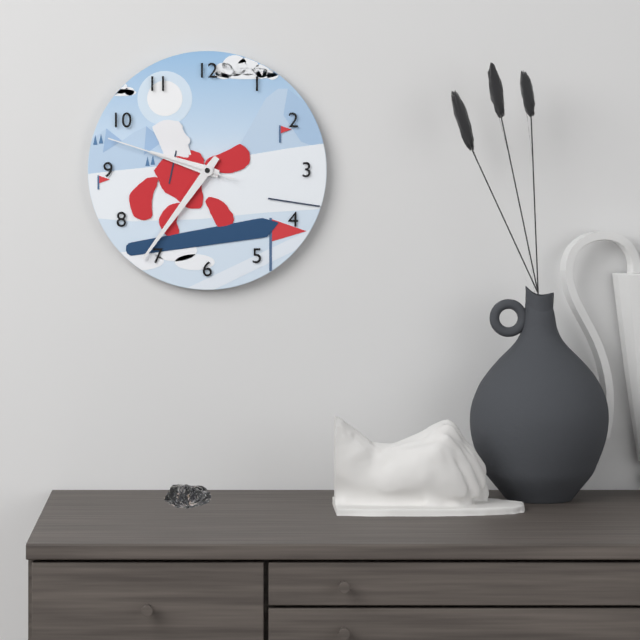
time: 9.36.48
